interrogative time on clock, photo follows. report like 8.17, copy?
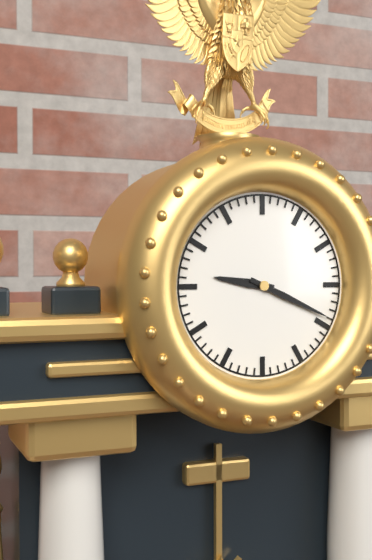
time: 9.19
